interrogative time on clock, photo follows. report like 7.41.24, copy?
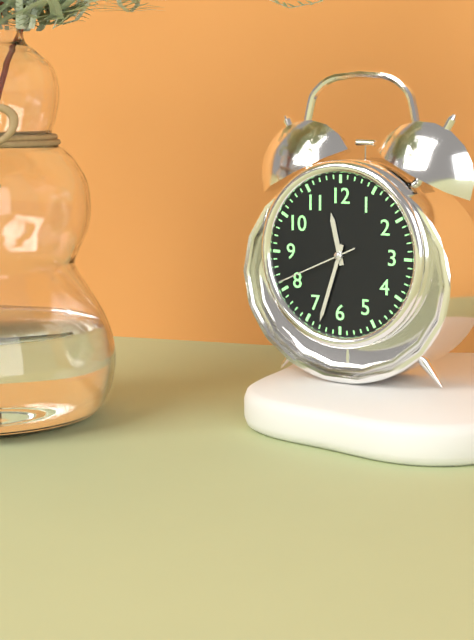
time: 11.33.41
